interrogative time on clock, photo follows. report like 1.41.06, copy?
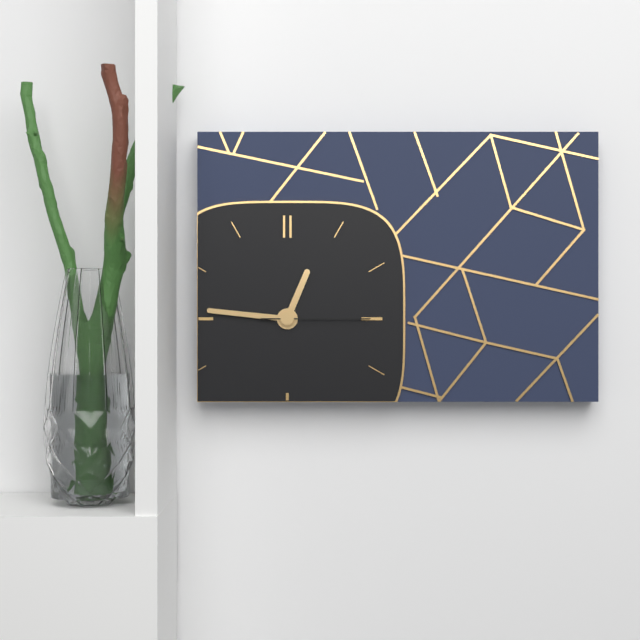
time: 12.46.15
